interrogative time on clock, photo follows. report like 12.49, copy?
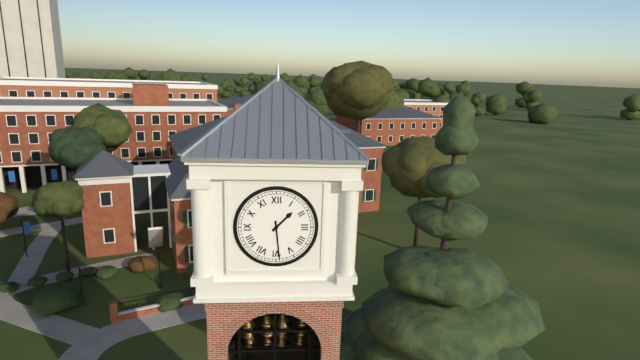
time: 1.29
